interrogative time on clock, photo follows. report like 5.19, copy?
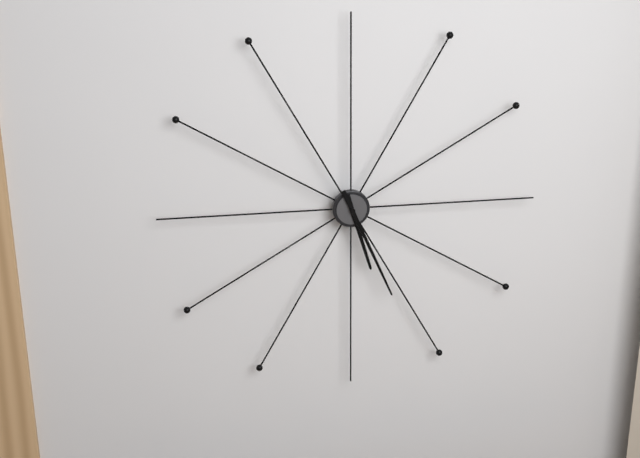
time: 5.26
